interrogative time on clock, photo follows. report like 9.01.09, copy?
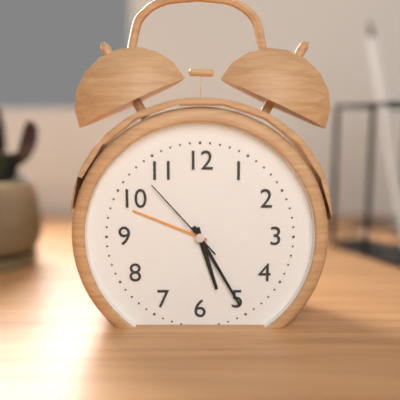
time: 5.25.53
